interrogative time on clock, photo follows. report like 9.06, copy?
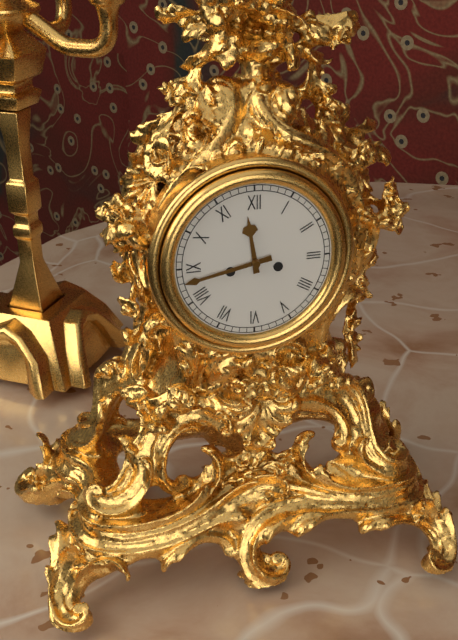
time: 11.43
